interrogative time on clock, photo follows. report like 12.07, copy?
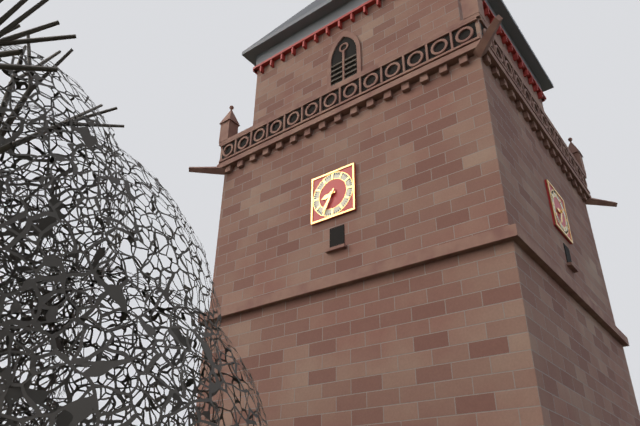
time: 8.35
